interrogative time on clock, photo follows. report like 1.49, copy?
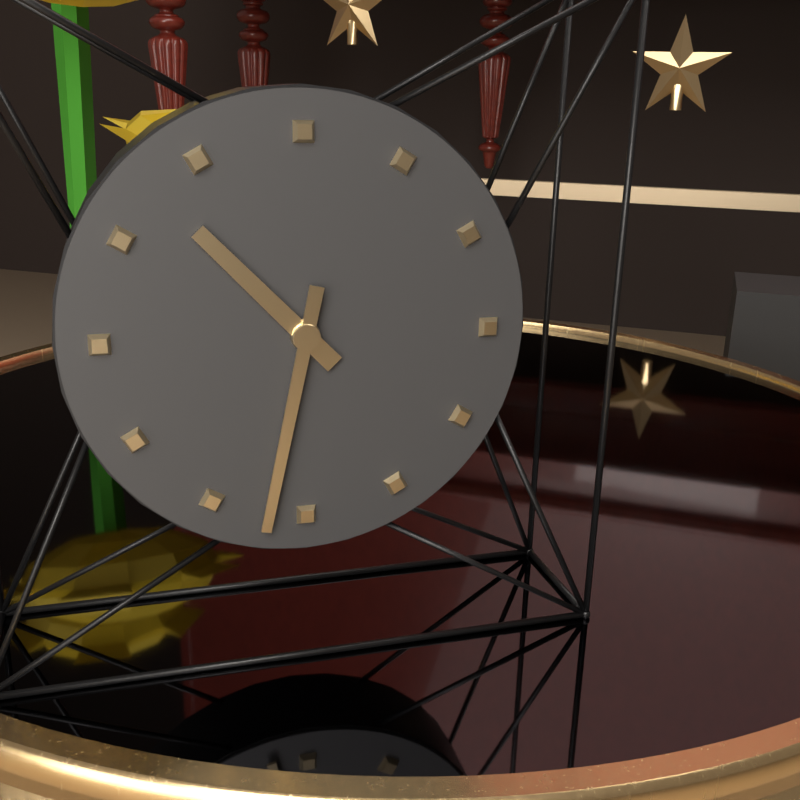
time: 10.32
